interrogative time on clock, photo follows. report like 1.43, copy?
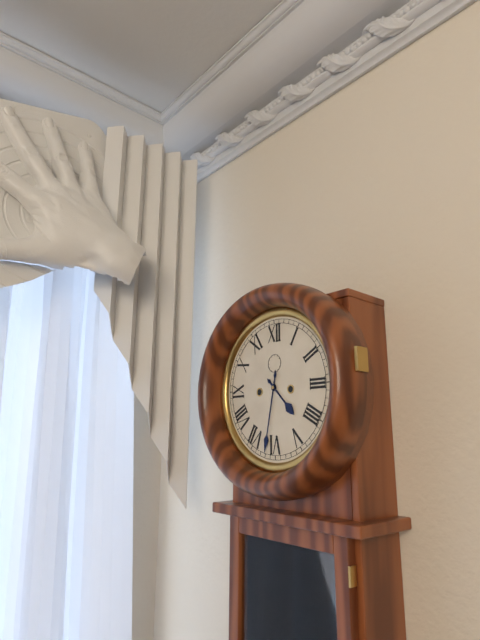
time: 4.32
